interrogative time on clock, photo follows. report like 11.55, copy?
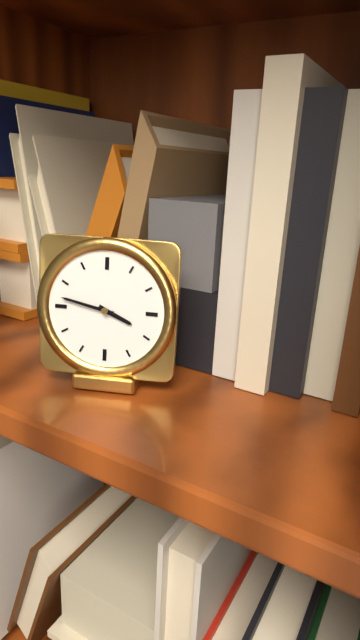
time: 3.47
